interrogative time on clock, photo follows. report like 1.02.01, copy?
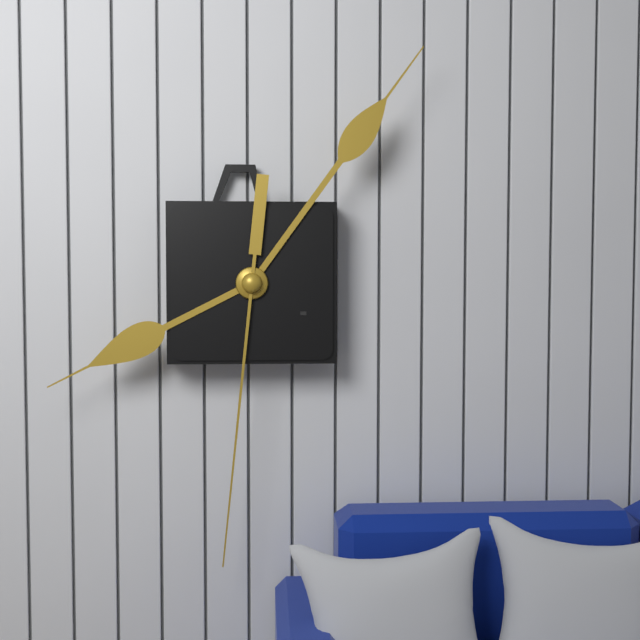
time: 8.06.31
